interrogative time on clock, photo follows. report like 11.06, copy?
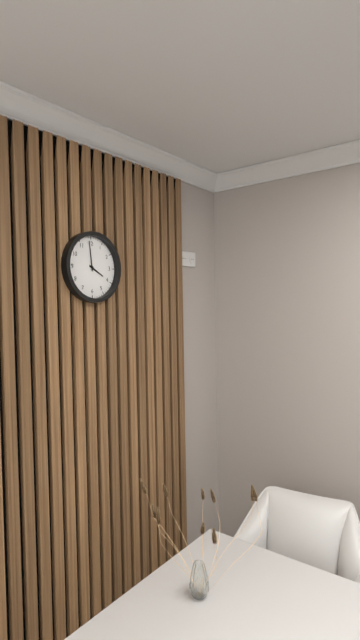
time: 3.59
